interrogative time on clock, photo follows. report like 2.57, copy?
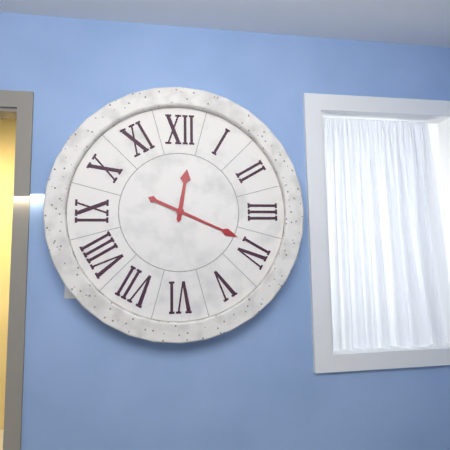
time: 12.19
